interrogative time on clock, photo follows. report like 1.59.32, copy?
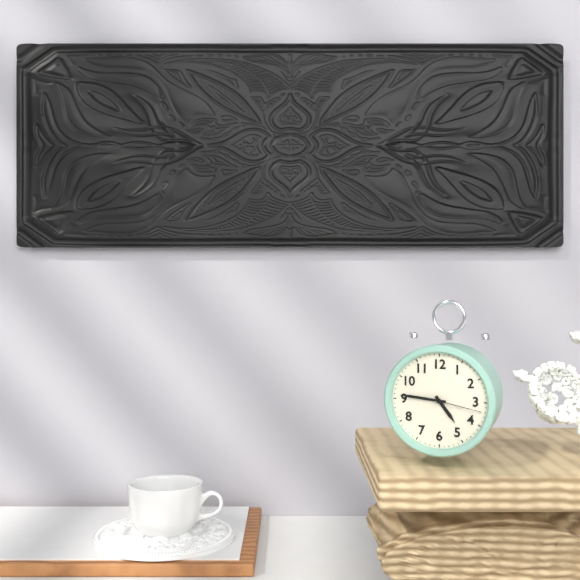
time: 4.46.17
